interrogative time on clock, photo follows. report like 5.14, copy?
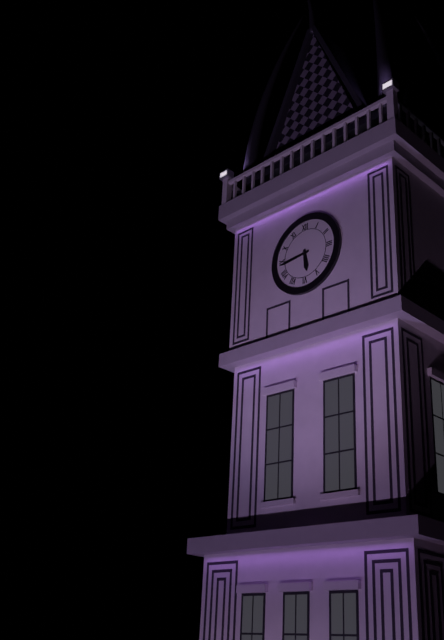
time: 5.44
